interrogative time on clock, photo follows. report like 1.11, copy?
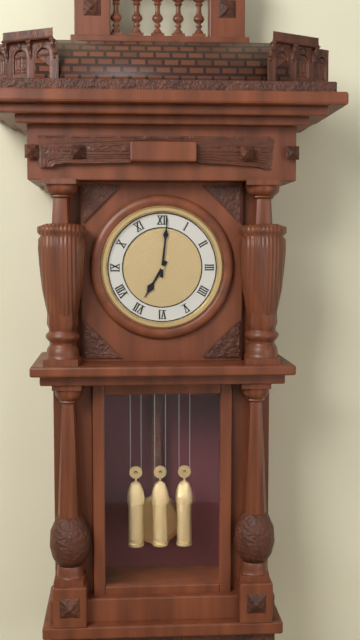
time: 7.01
